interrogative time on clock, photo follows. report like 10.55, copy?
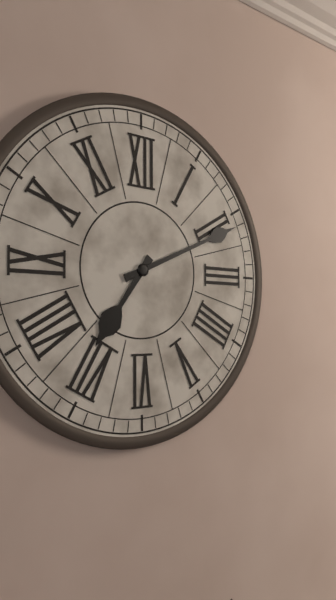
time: 7.11
